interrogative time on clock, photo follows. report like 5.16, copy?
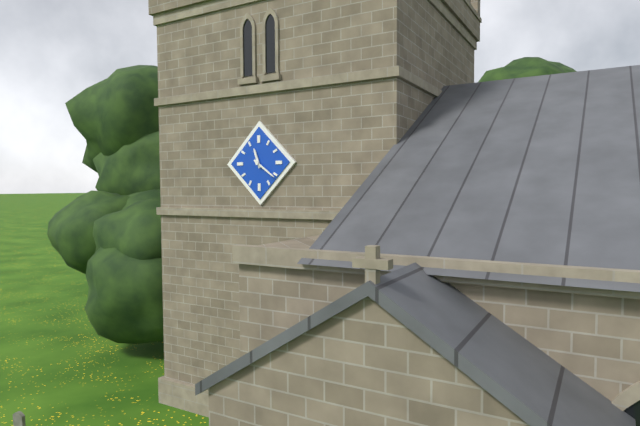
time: 11.21
